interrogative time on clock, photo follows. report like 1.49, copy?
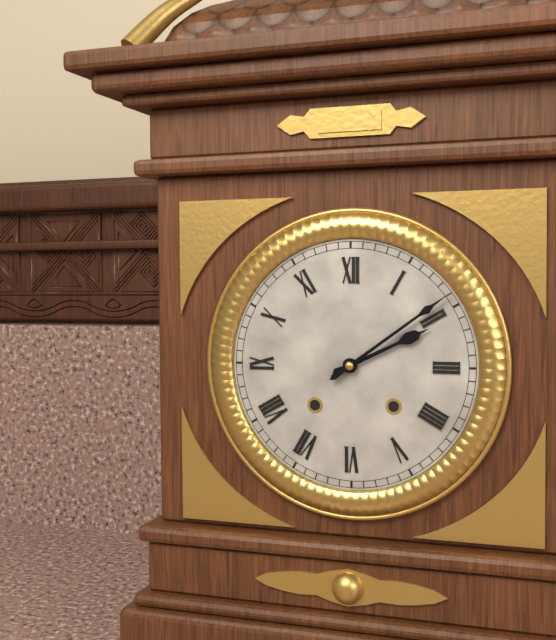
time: 2.09
